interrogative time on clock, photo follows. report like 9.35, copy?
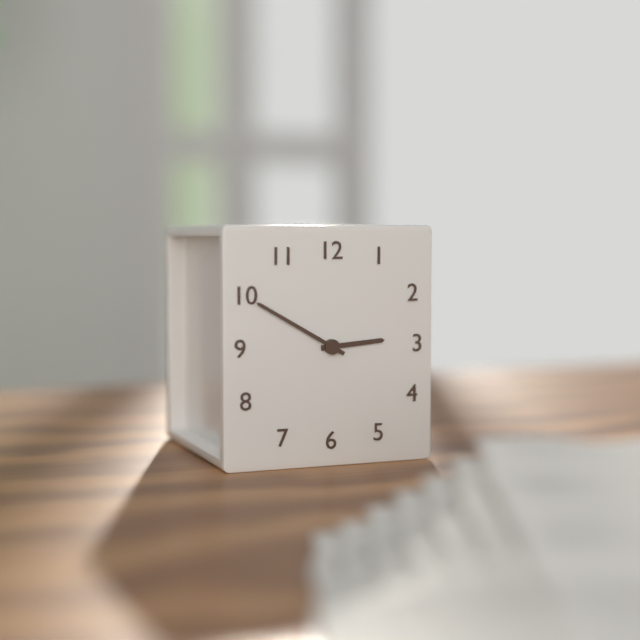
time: 2.50
